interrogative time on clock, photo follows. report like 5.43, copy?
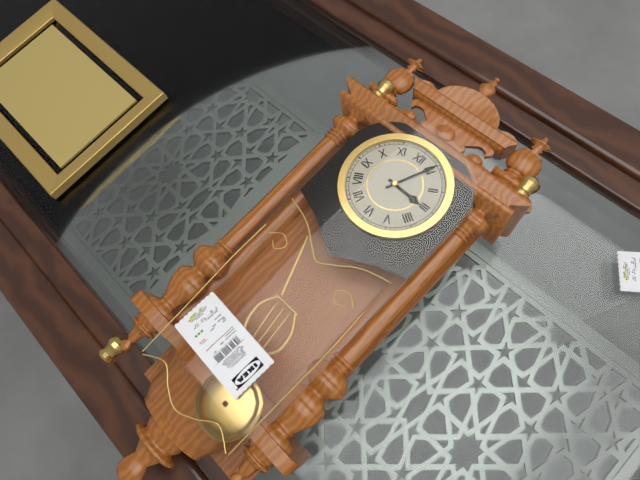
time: 3.04
